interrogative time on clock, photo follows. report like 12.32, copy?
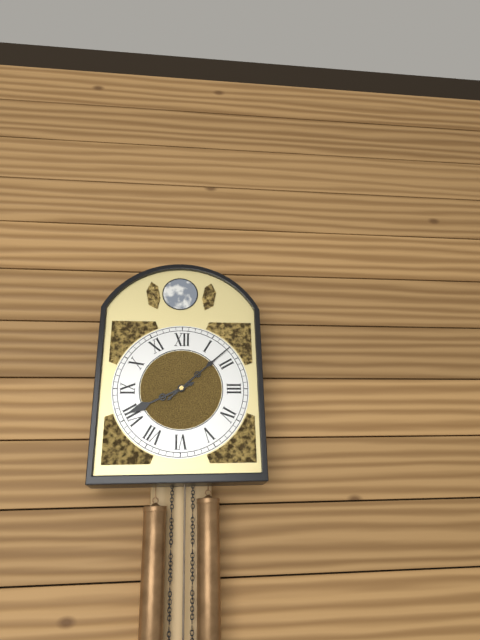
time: 8.08
